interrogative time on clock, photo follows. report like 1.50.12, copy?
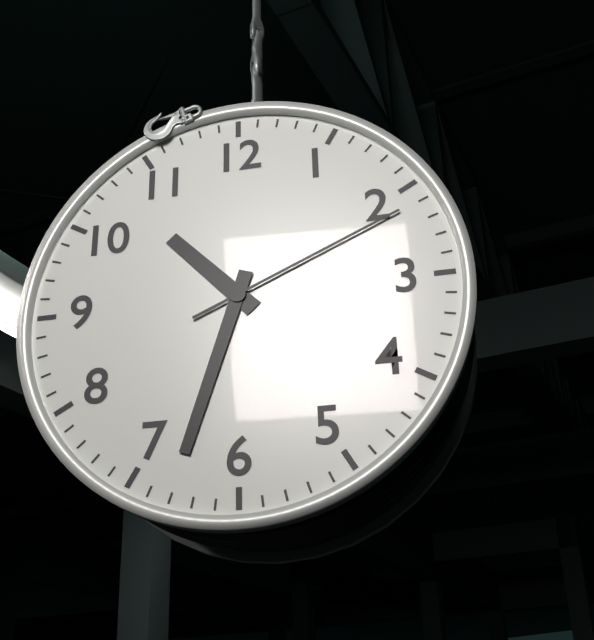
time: 10.33.11
